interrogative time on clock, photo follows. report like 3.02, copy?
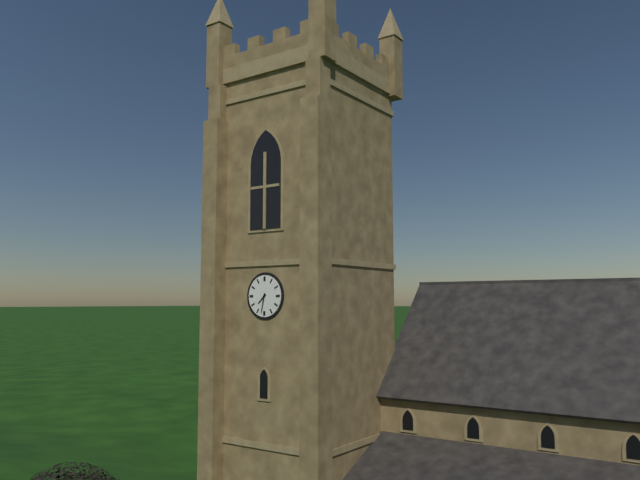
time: 7.32
